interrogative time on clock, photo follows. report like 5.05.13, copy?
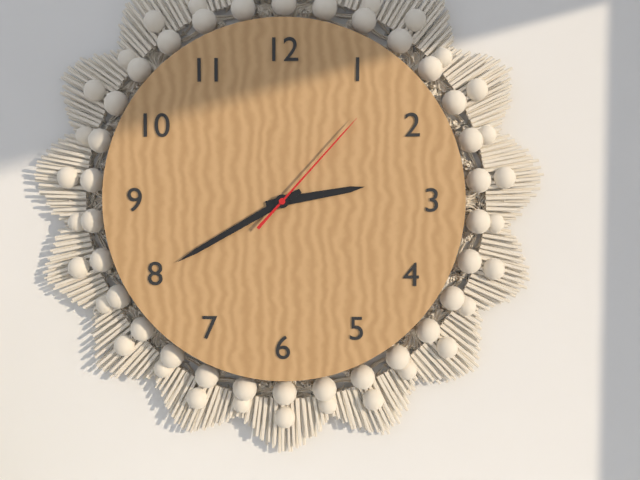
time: 2.40.07
